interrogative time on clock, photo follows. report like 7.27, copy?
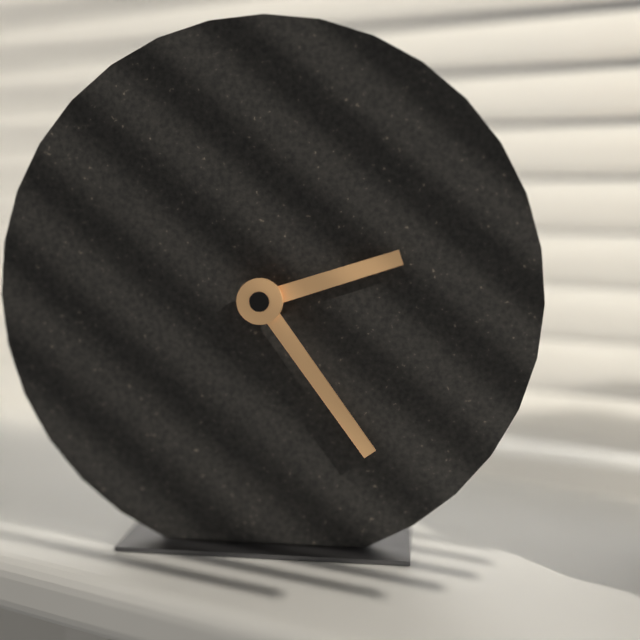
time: 2.24
